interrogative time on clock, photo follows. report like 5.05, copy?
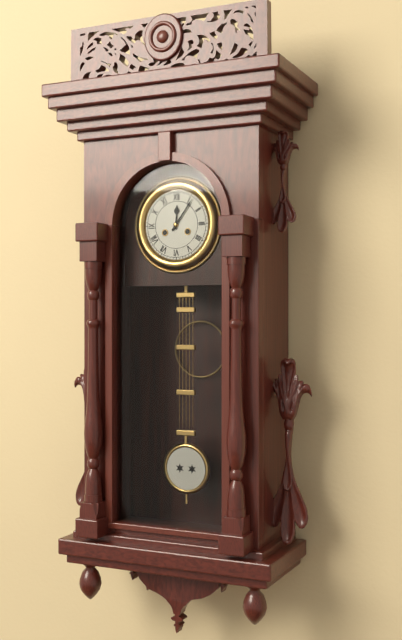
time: 12.06
